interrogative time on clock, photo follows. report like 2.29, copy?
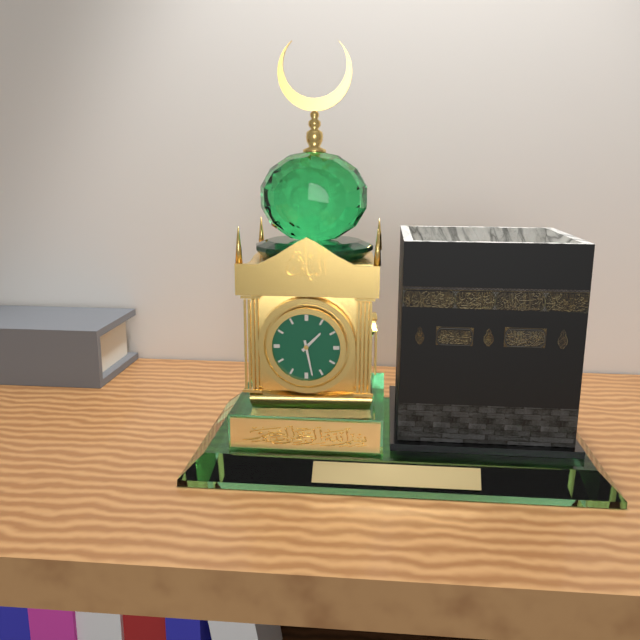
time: 1.28
